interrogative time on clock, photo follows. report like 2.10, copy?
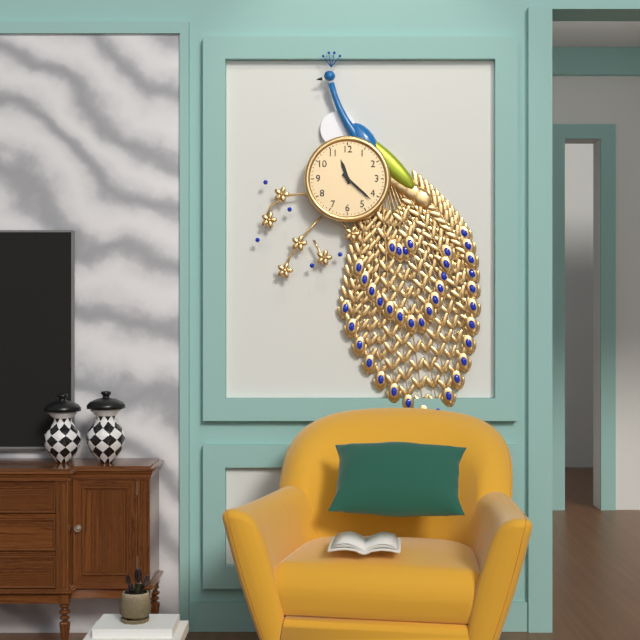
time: 11.22
